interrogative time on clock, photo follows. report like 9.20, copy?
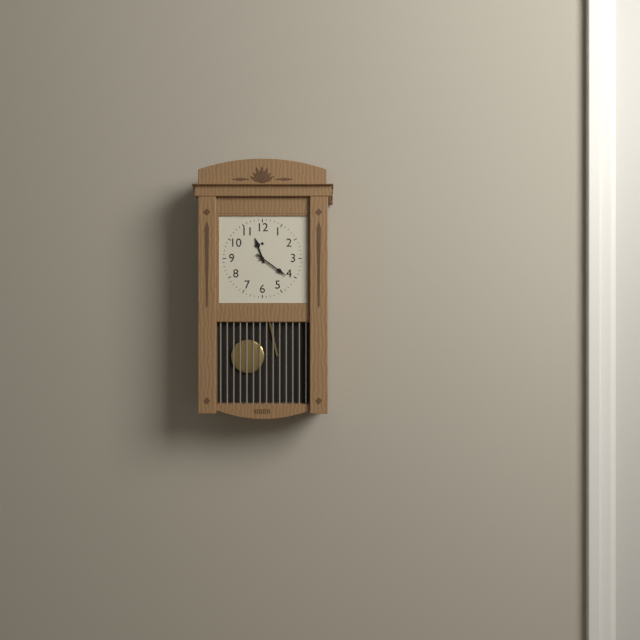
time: 11.21
